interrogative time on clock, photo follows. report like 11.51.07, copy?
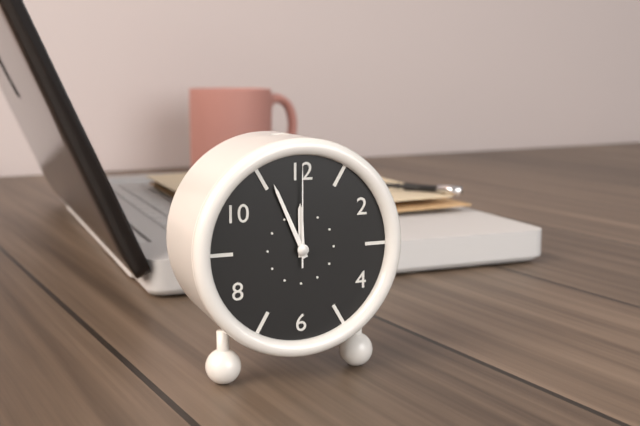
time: 11.56.00
